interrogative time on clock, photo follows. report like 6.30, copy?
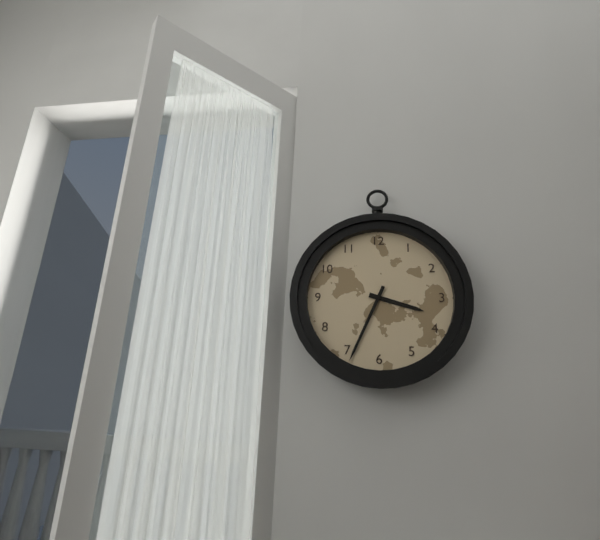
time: 3.34
